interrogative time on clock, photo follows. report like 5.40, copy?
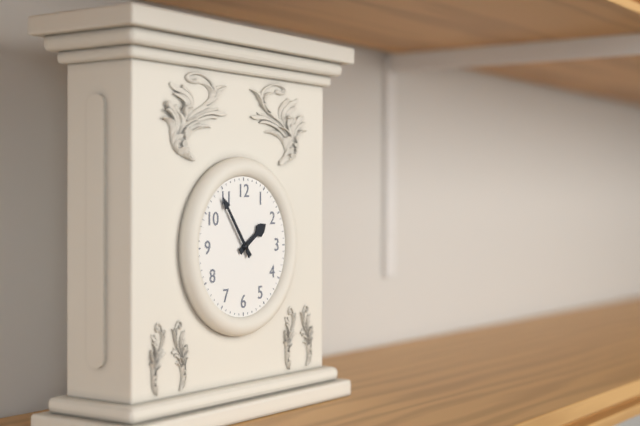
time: 1.54
